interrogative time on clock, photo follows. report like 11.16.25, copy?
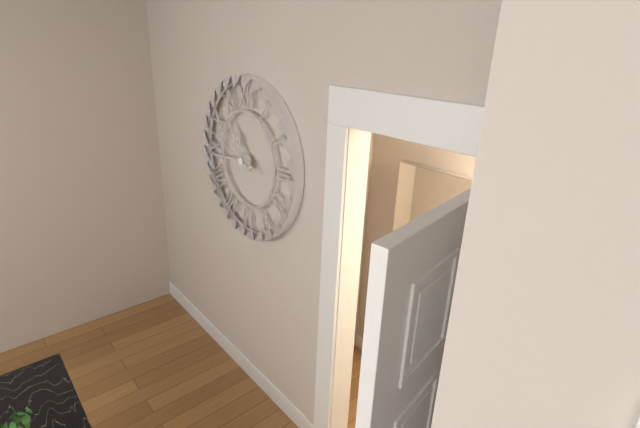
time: 10.44.48
